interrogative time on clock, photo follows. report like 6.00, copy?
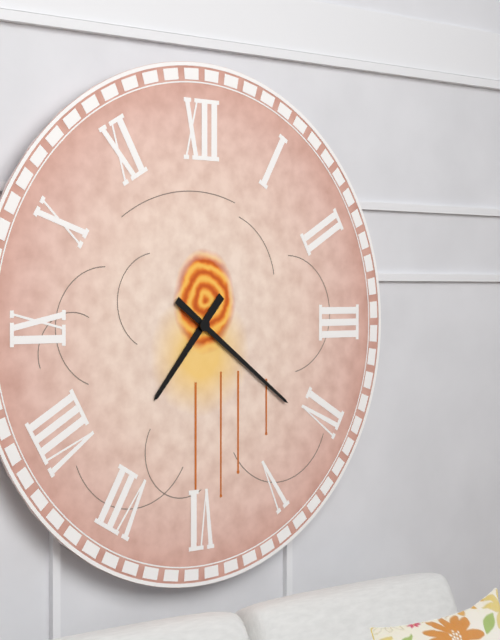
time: 7.21
